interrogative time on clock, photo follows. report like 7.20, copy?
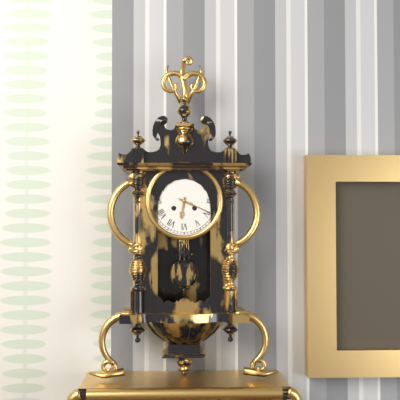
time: 6.19
